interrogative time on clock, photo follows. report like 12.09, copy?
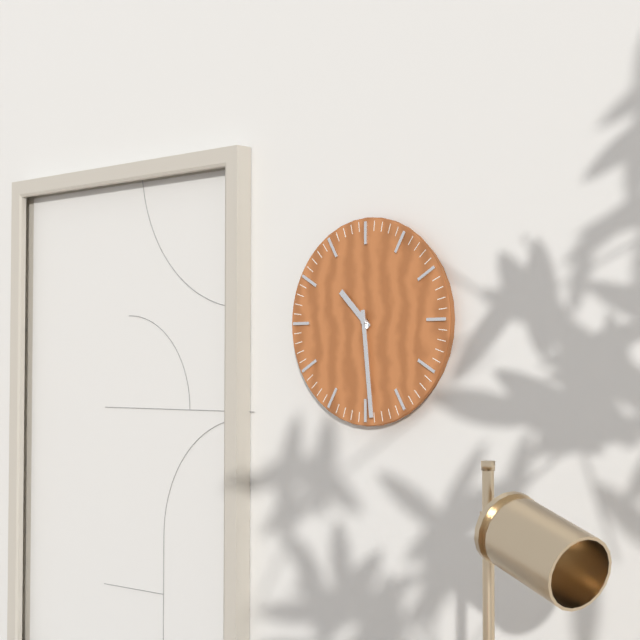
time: 10.29
